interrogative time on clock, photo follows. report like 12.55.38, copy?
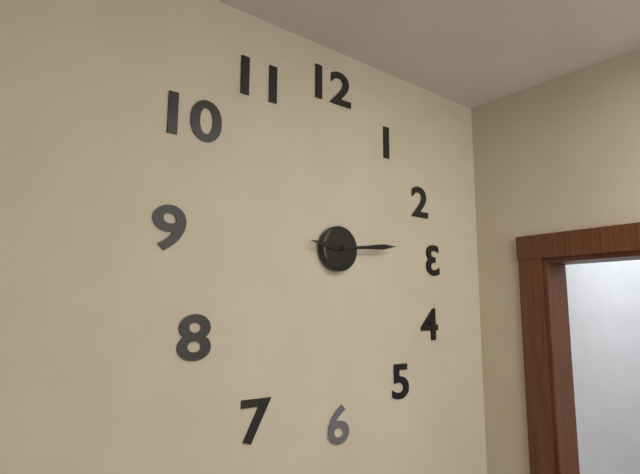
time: 9.14.14
